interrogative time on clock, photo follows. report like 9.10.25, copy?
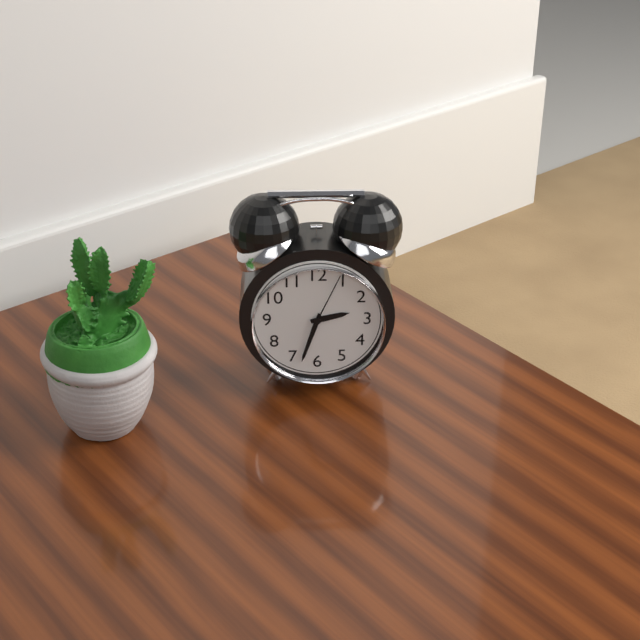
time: 2.33.04
